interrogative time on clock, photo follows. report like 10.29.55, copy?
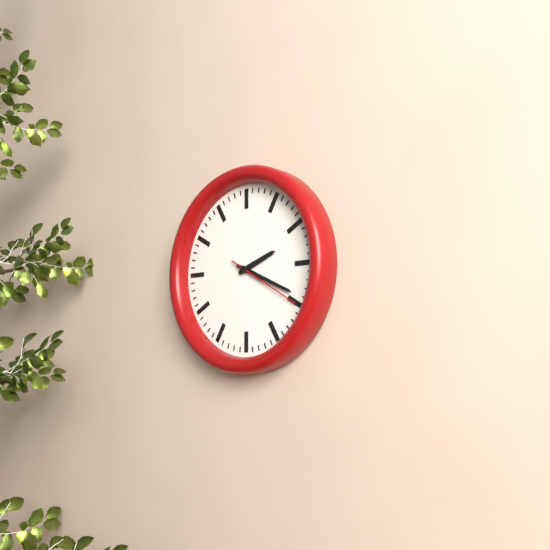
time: 2.19.20
